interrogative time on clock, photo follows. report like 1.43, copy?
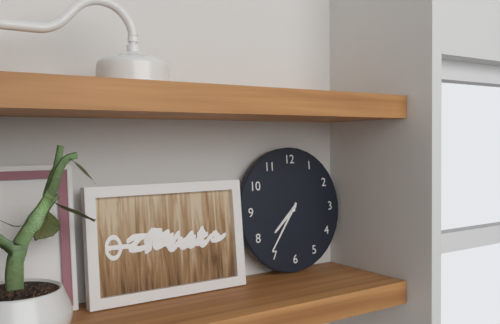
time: 7.36
